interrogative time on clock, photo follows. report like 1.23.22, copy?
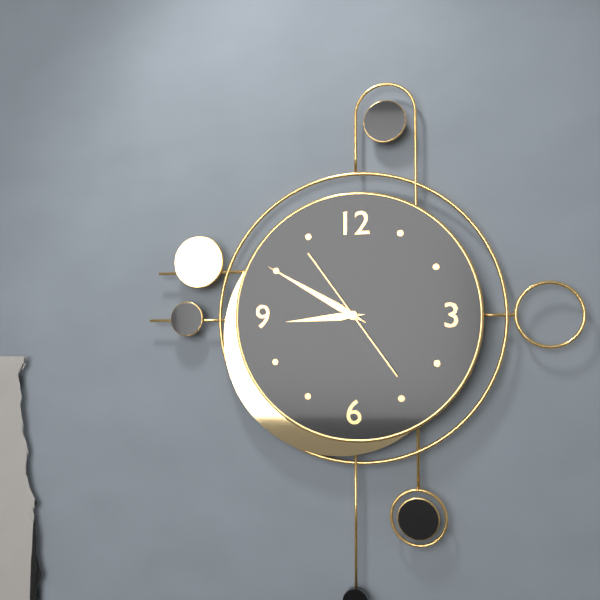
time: 8.50.54
